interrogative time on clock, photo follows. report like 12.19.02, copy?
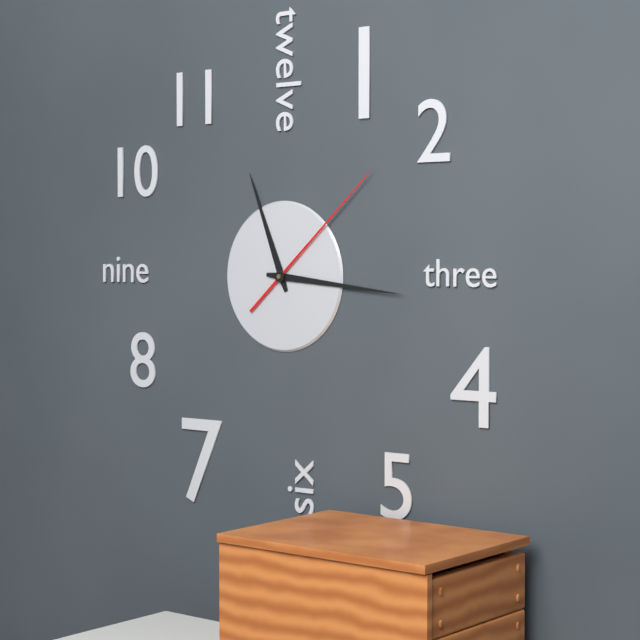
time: 11.16.08
